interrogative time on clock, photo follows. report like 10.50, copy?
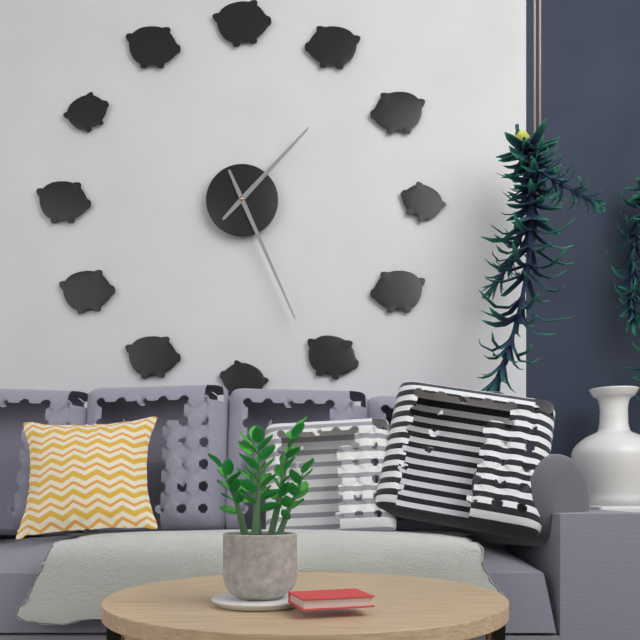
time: 1.26
